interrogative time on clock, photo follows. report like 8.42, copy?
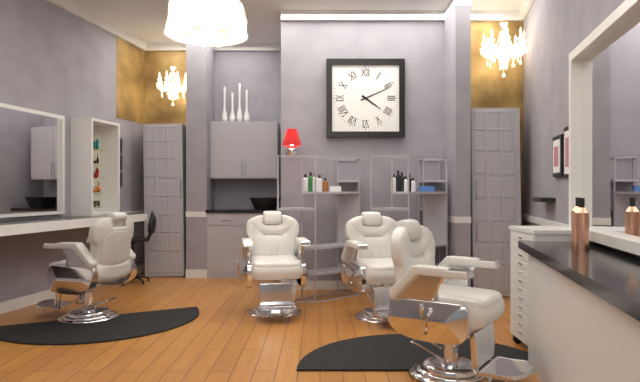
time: 4.11
